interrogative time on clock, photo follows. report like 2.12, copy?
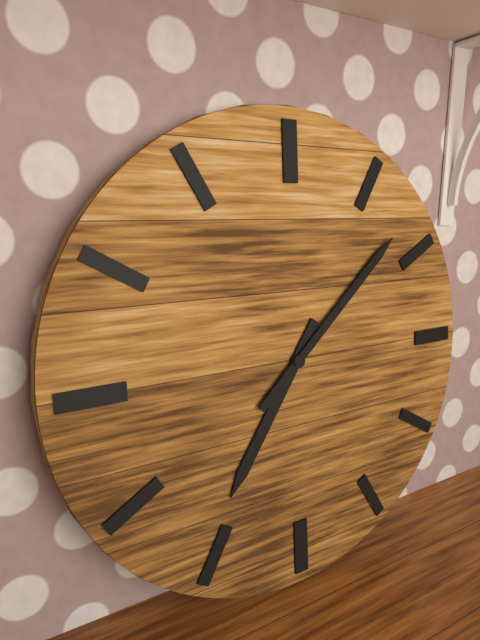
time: 7.08
